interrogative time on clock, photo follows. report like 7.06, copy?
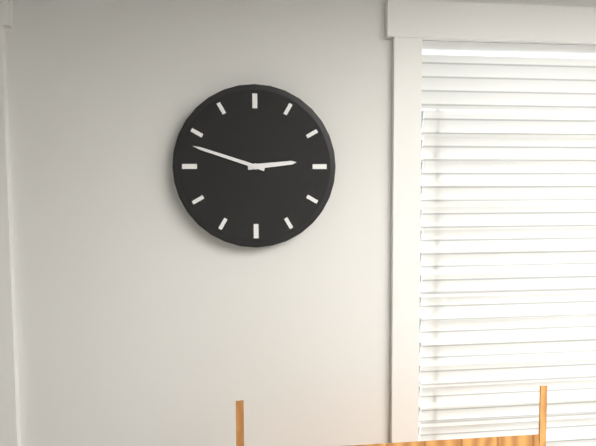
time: 2.48
